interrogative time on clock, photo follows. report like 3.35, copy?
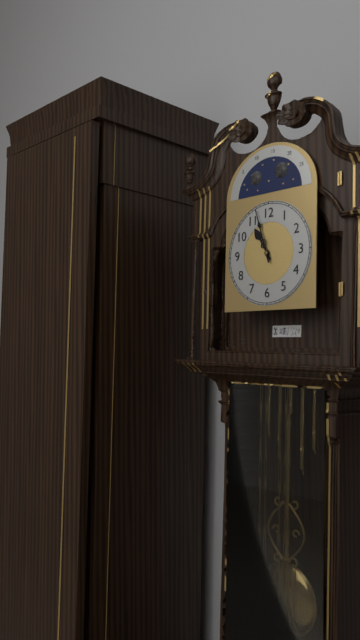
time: 10.57
